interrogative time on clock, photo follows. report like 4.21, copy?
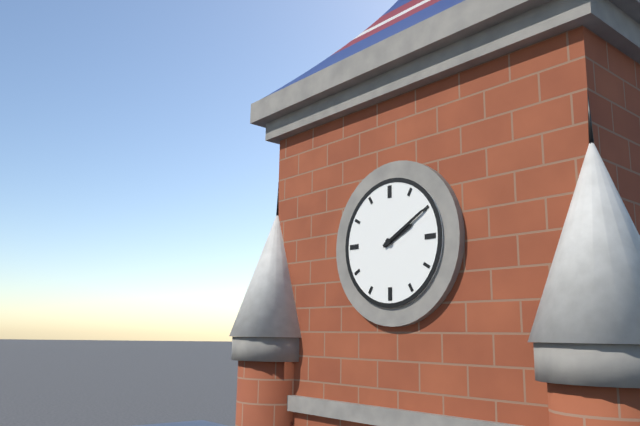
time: 2.10
